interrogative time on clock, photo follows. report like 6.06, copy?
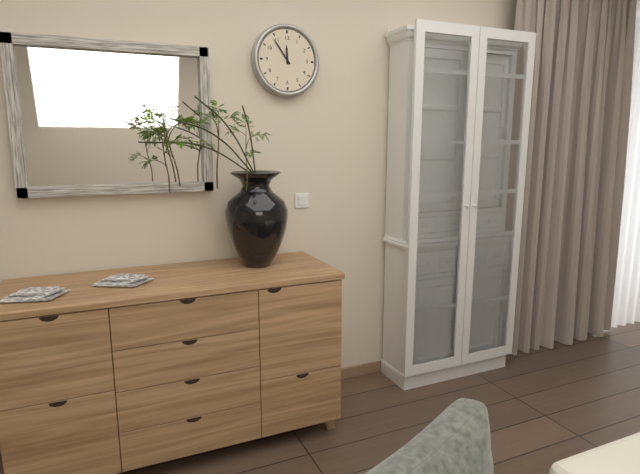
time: 11.54
